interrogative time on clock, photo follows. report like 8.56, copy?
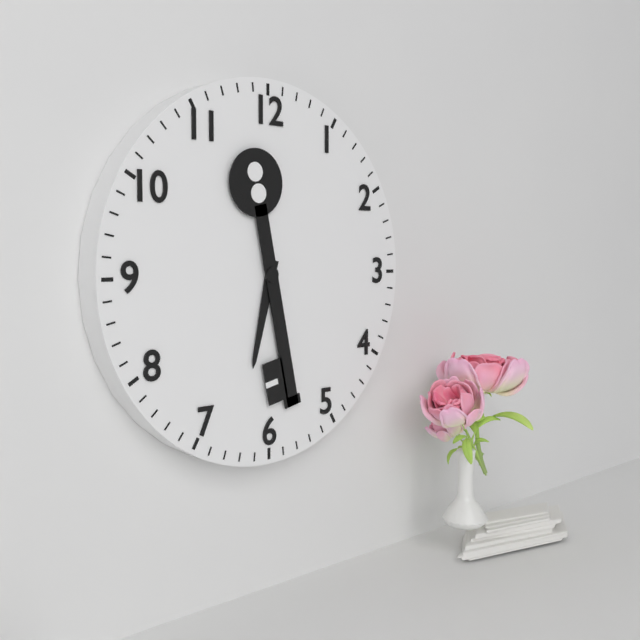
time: 6.28
